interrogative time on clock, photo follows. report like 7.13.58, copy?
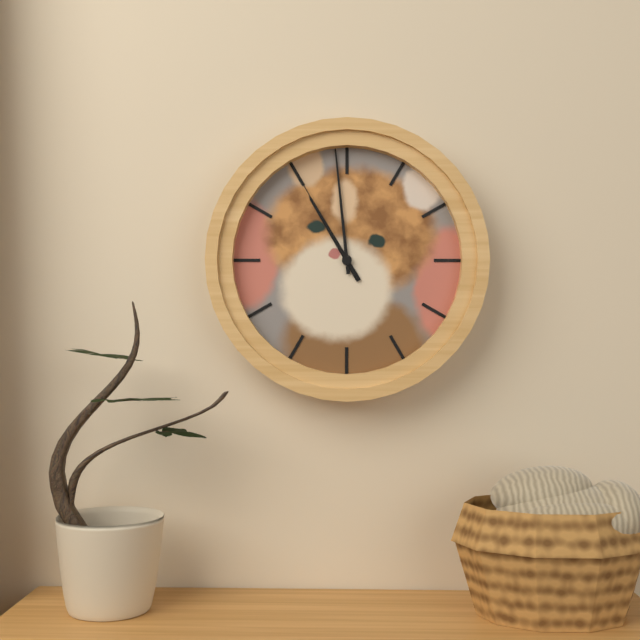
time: 10.59.55
